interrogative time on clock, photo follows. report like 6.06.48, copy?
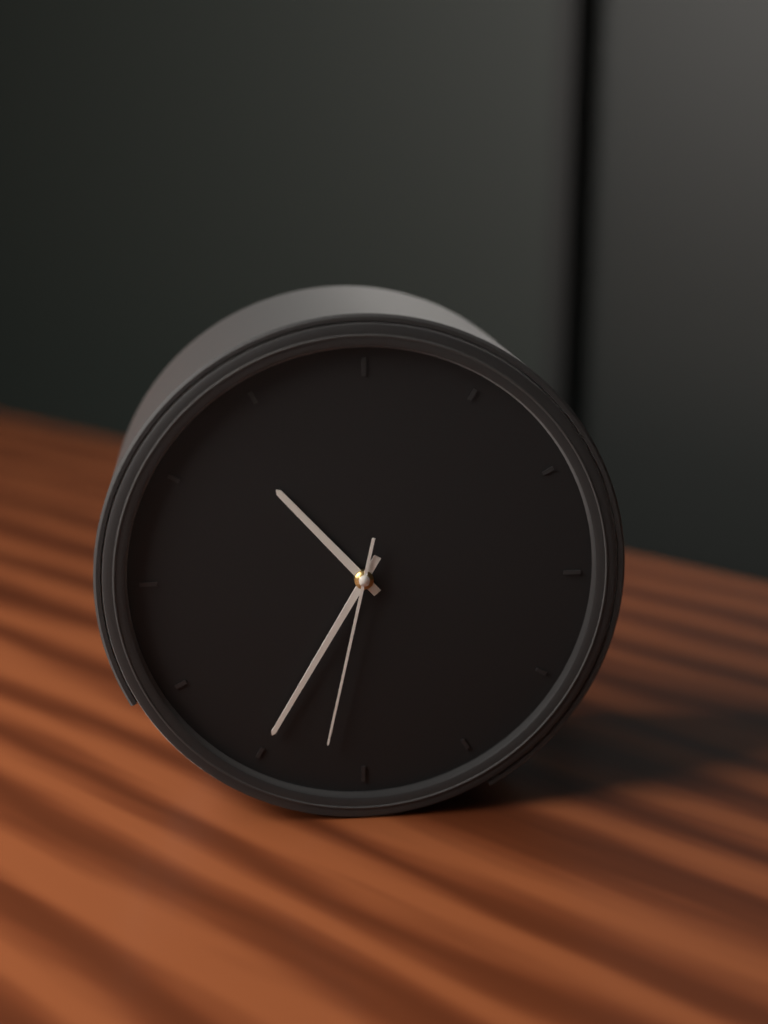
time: 10.35.32
